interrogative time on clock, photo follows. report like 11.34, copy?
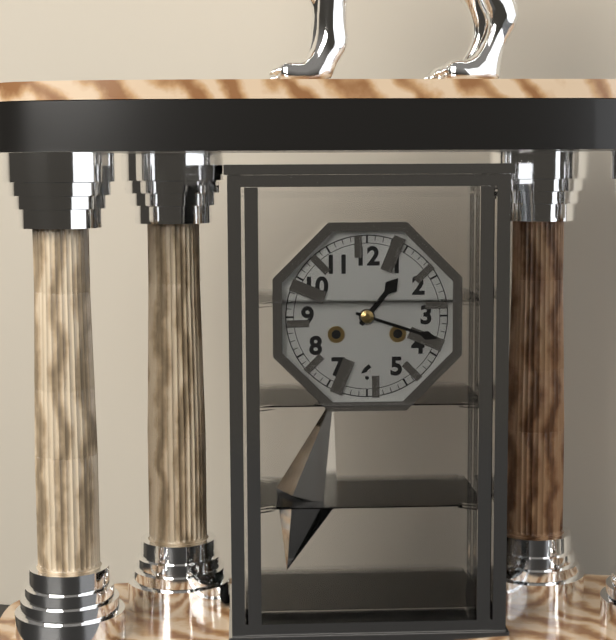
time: 1.18
